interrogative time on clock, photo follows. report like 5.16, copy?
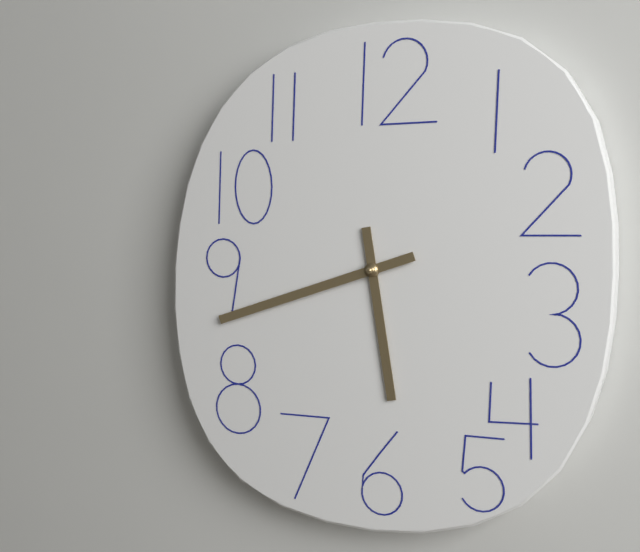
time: 5.42
